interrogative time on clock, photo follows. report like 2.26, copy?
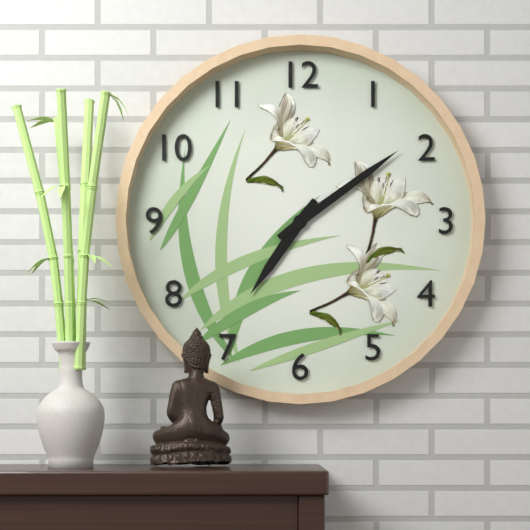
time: 7.09
